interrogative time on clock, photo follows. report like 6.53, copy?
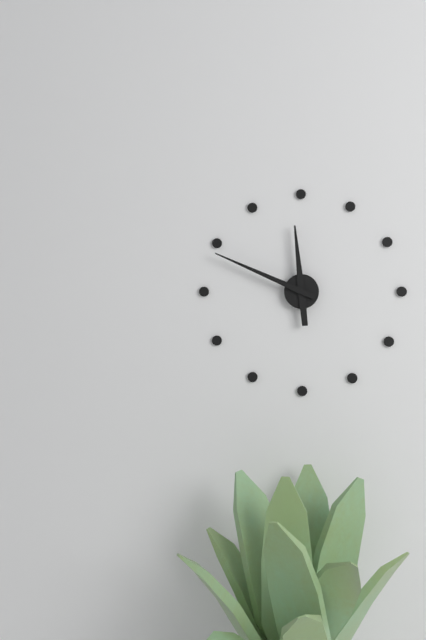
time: 11.49
